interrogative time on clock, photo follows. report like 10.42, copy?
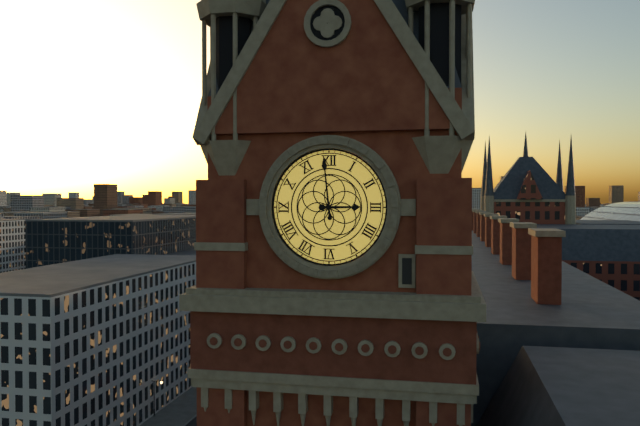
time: 2.59
